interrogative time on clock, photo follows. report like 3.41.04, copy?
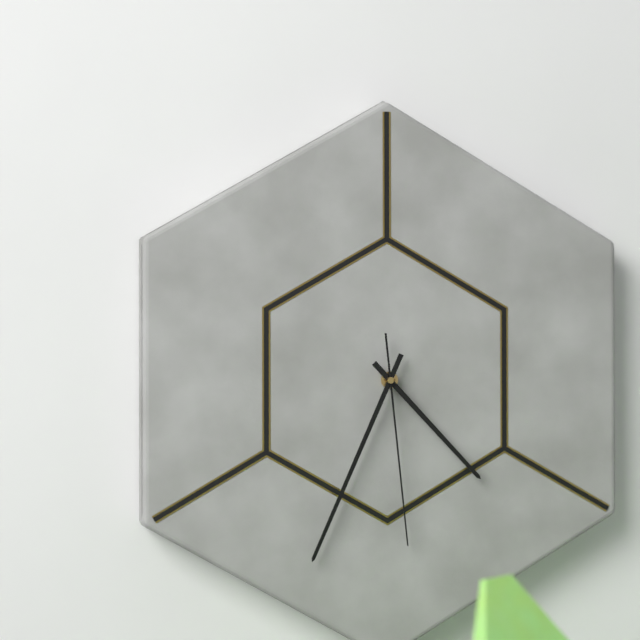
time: 4.34.29
